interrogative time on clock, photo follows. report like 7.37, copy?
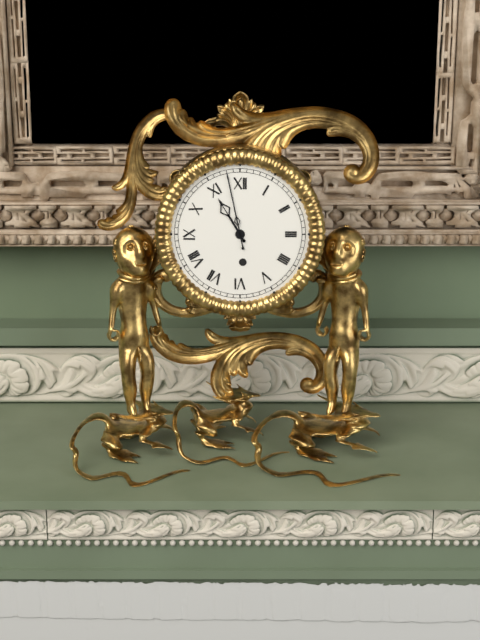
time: 10.58
